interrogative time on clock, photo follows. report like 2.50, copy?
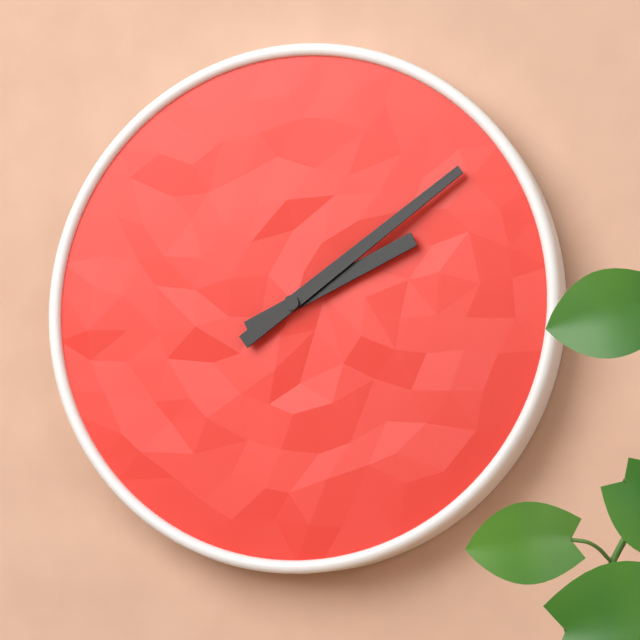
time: 2.09
